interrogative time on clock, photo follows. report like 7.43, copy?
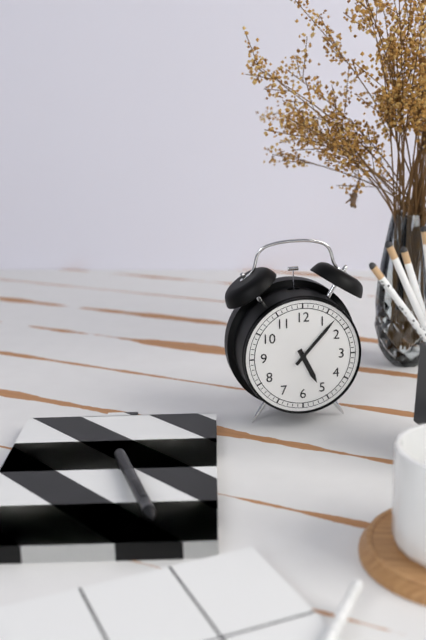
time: 5.07
